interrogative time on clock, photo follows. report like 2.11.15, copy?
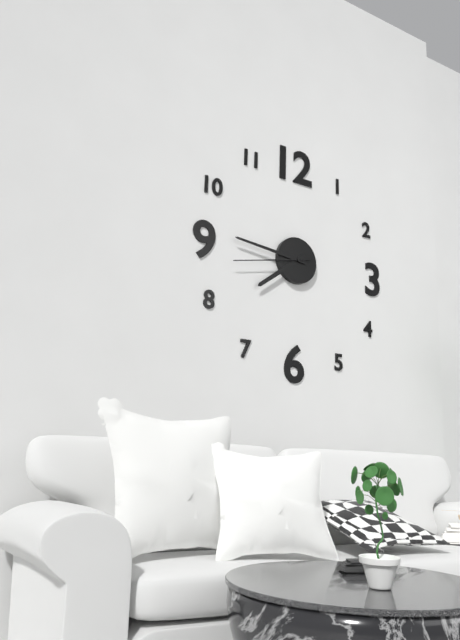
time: 7.46.43
